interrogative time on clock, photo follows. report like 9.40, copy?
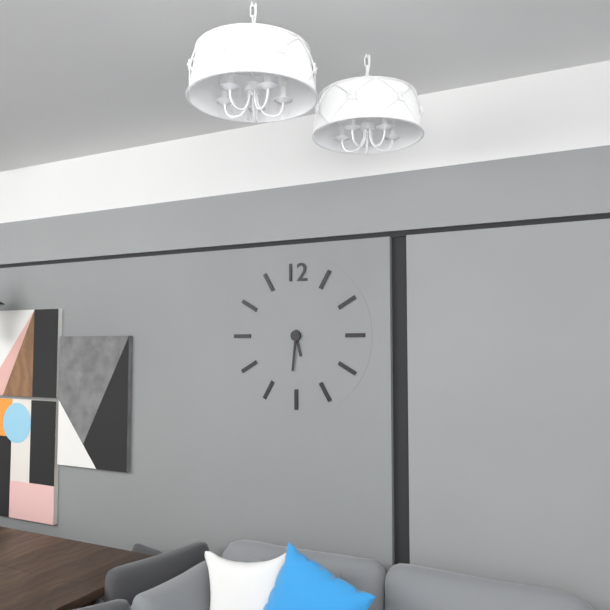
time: 5.31
